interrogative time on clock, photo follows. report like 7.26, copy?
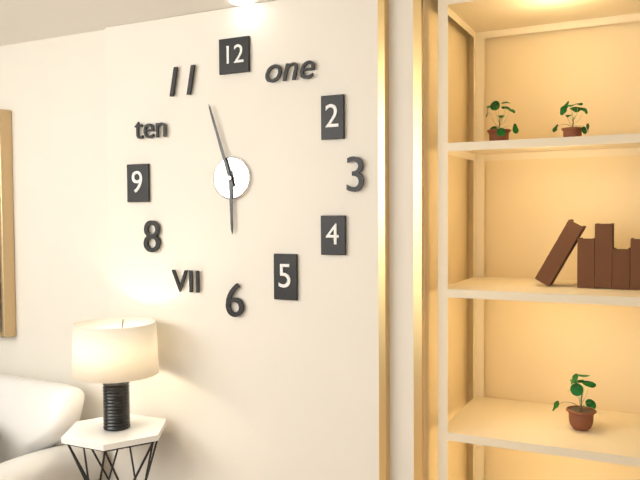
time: 5.57
